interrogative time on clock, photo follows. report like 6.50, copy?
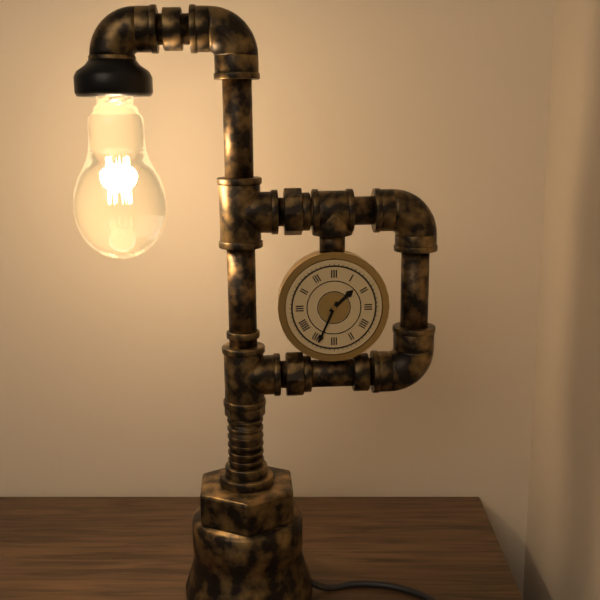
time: 1.34
